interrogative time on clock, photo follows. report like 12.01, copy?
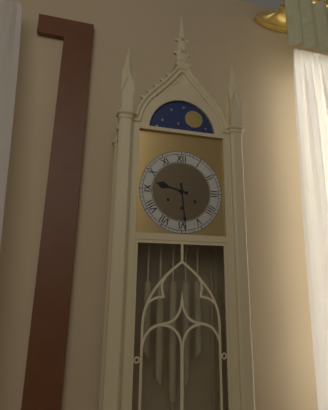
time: 9.29
